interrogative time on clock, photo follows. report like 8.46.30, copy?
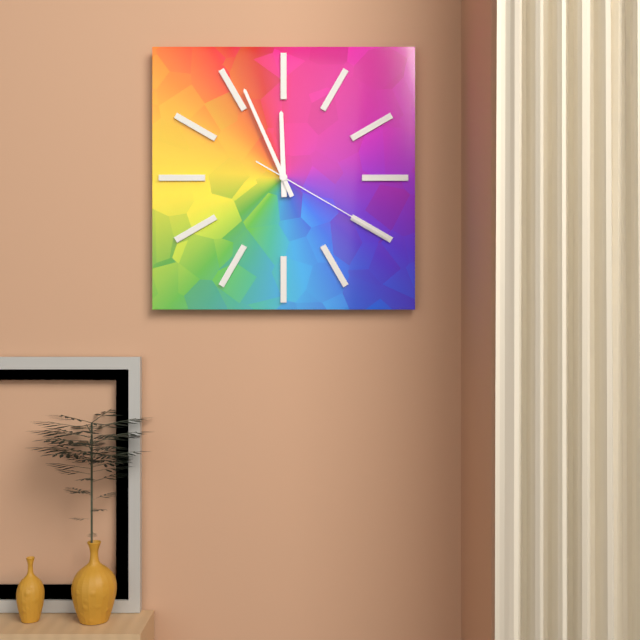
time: 11.56.20
